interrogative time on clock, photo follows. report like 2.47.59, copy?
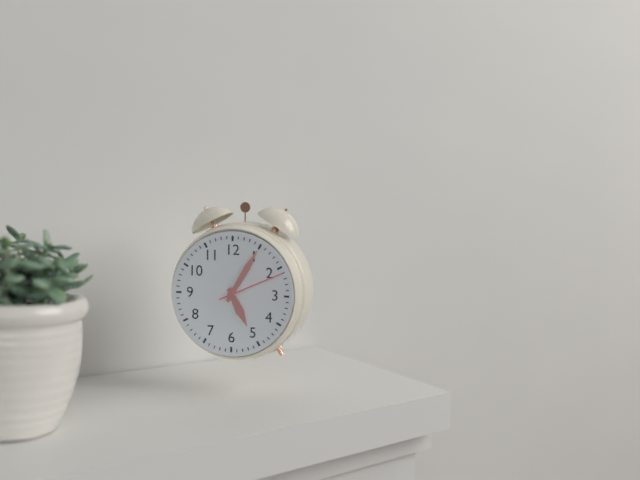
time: 5.05.11
